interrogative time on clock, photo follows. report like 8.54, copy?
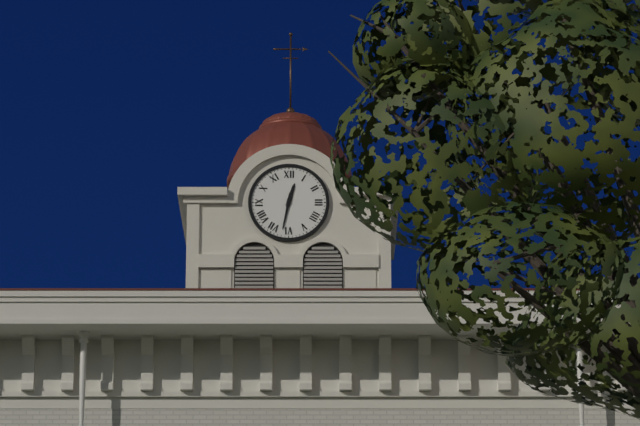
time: 12.32
